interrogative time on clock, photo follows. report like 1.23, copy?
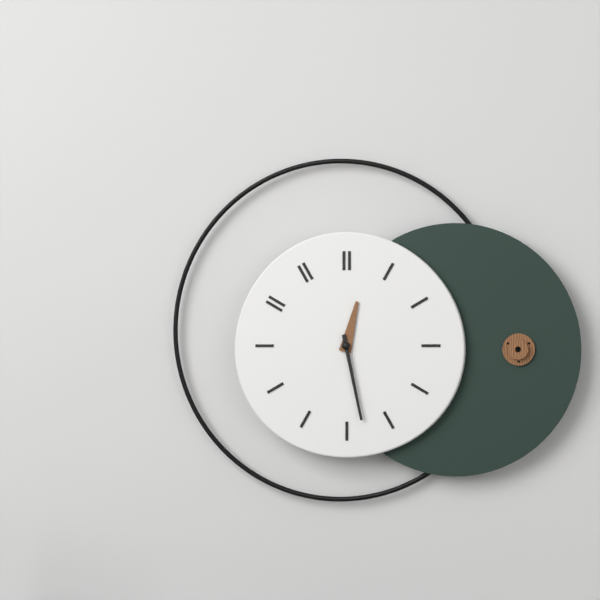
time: 12.28
